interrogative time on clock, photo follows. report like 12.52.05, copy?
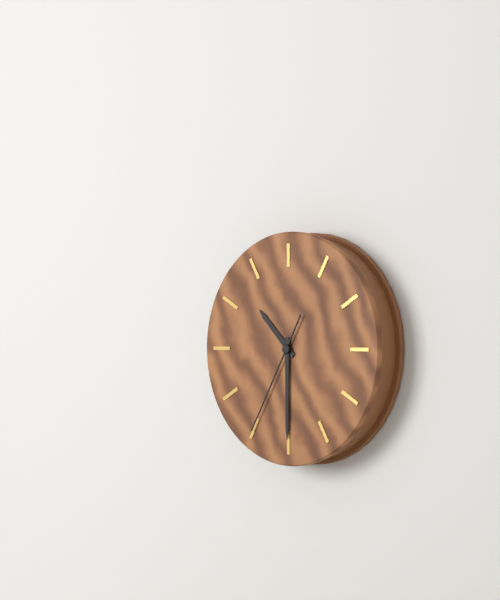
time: 10.30.35
